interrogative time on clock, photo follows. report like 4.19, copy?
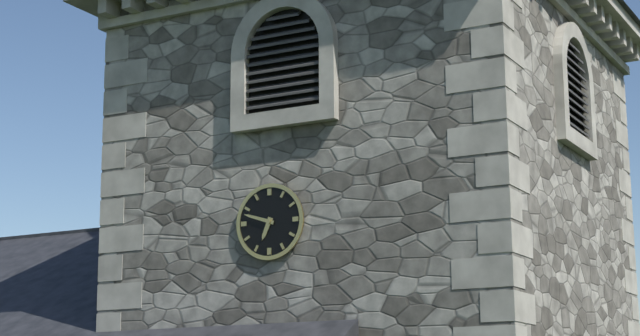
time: 6.48
